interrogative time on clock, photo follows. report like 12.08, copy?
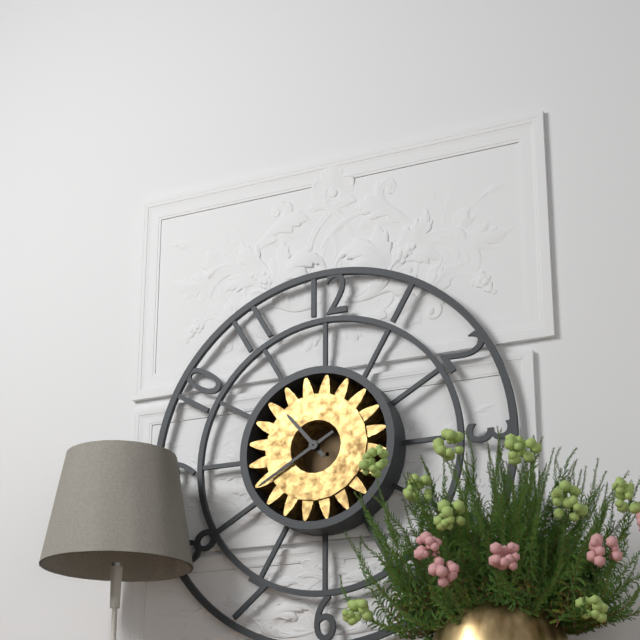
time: 10.40
